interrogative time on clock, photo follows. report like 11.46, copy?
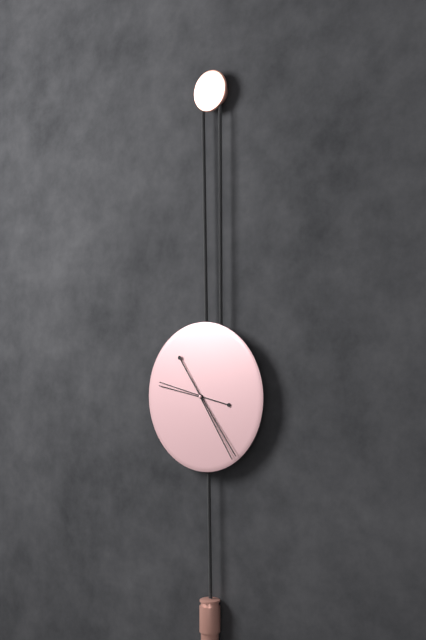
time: 9.24
